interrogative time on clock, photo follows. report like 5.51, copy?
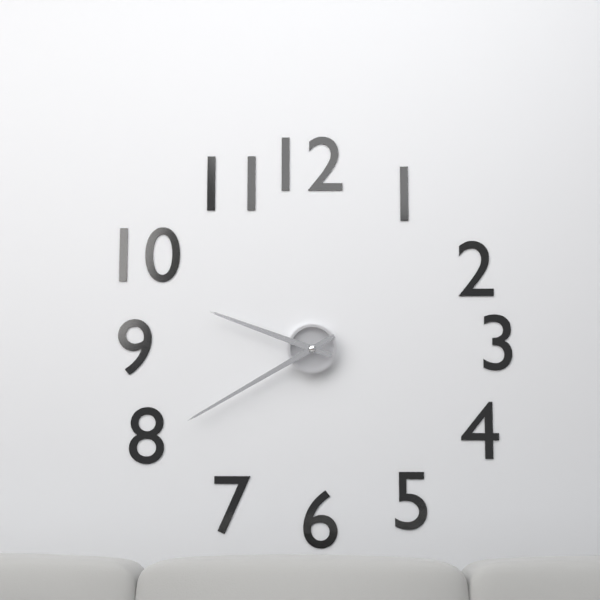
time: 9.40
